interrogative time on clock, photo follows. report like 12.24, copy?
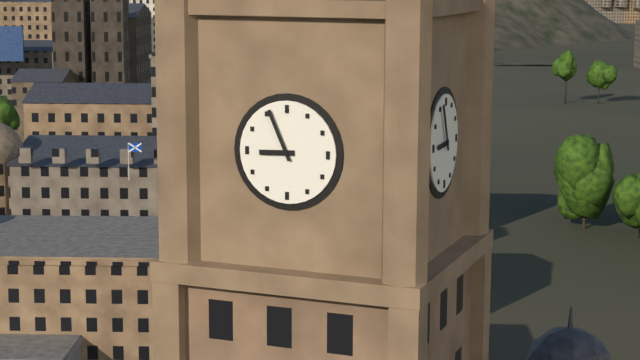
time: 8.56
